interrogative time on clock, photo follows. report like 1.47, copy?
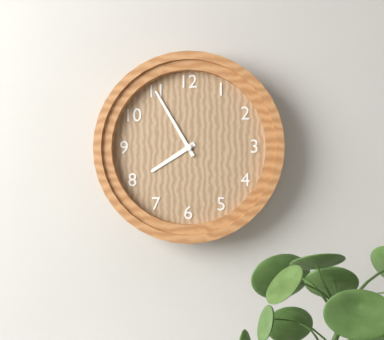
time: 7.55
